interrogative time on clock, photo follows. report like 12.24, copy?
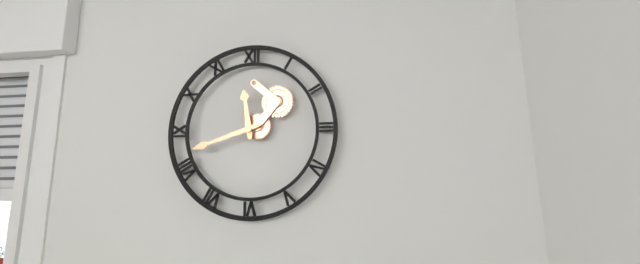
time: 11.42
